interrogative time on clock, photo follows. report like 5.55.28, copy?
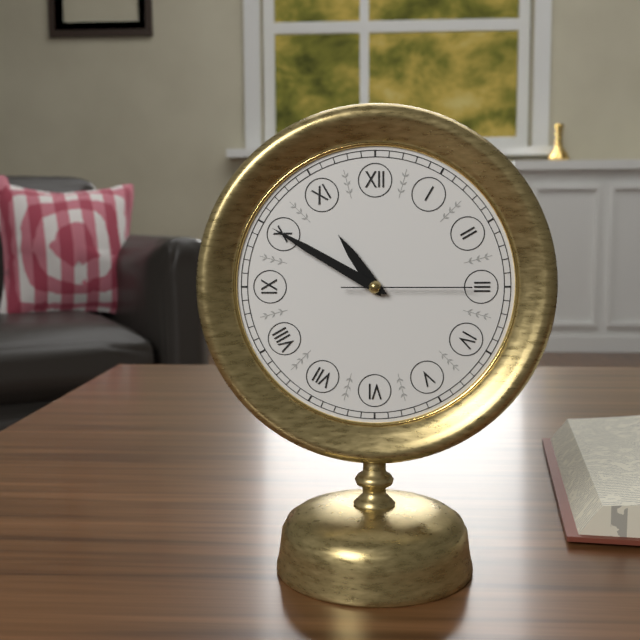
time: 10.50.15
